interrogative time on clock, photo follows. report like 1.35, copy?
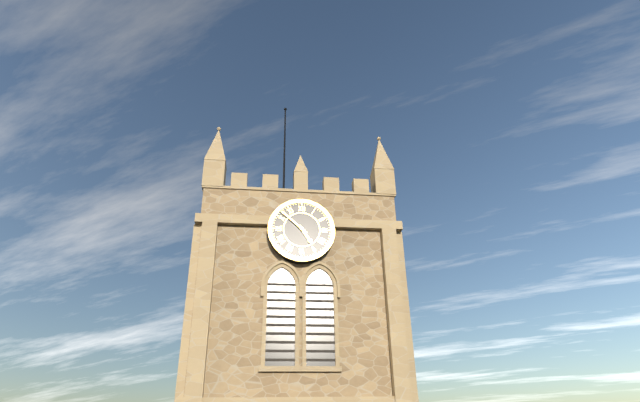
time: 4.52
